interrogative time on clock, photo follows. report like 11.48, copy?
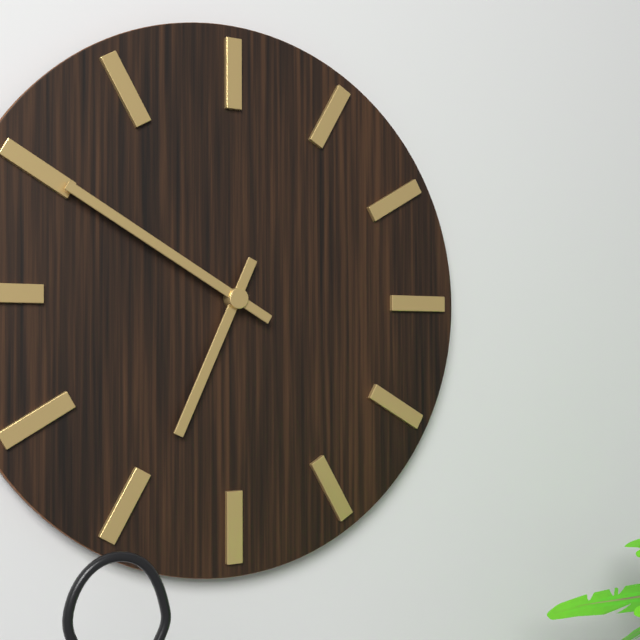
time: 6.50
